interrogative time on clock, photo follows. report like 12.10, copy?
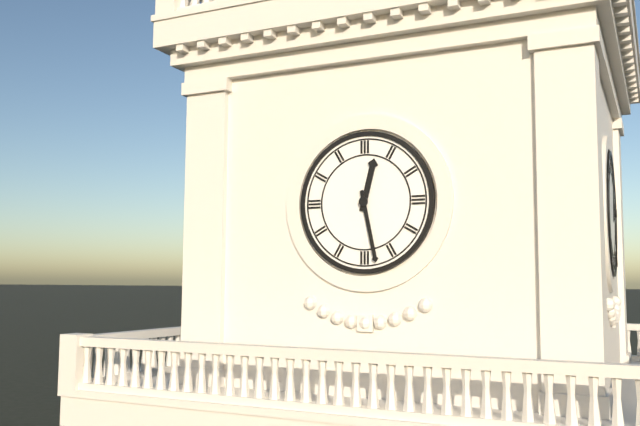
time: 12.28
